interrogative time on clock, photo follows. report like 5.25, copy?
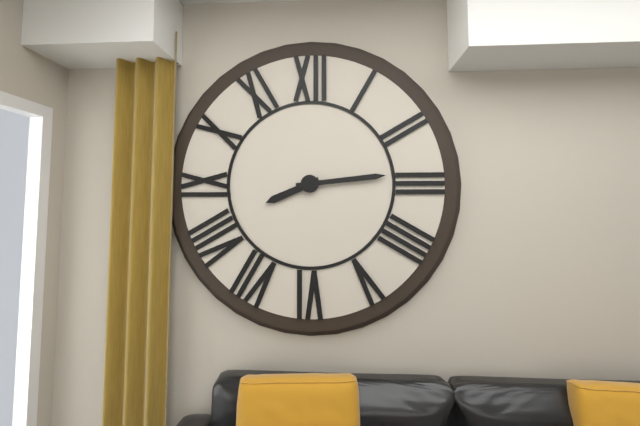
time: 8.14
